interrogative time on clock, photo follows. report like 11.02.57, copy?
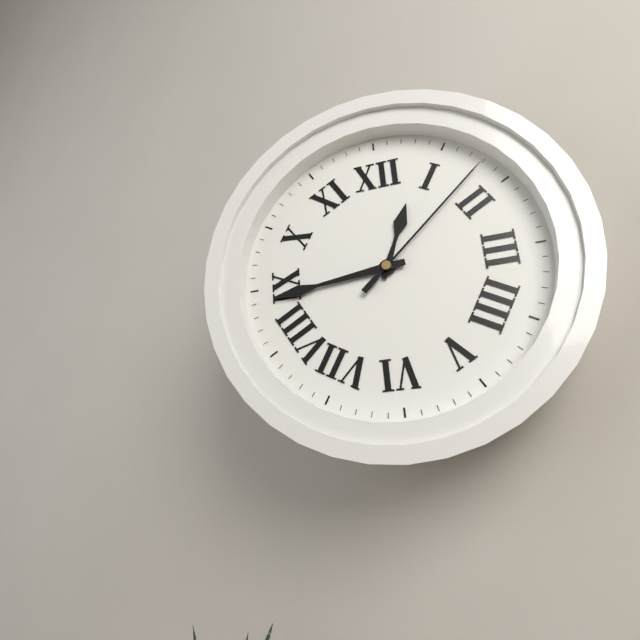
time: 12.44.08
